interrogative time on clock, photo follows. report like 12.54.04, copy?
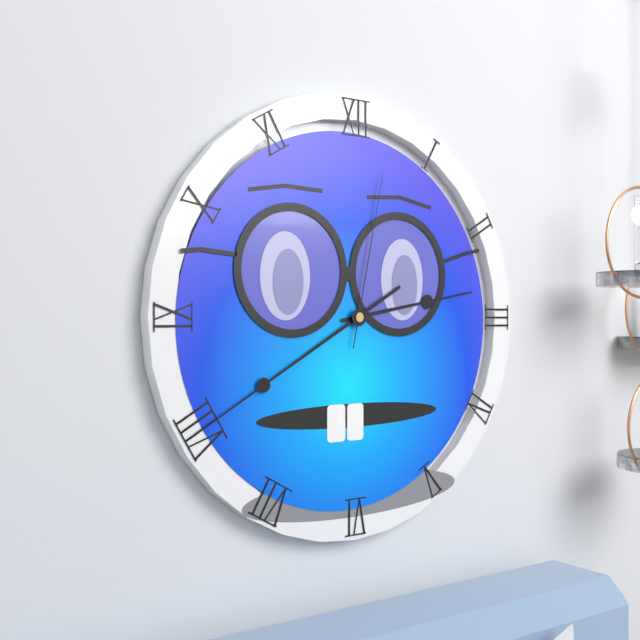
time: 2.40.02
